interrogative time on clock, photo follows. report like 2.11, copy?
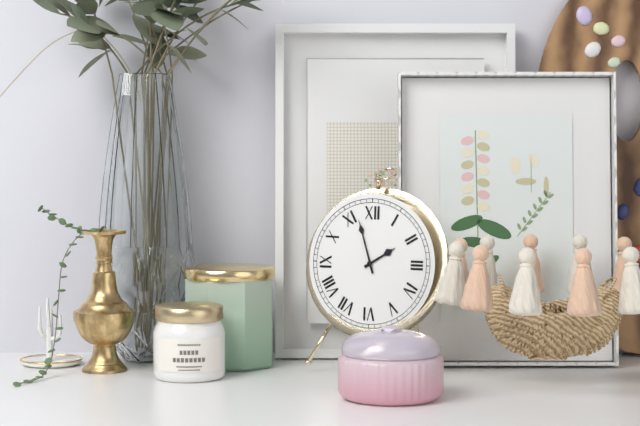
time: 1.57
